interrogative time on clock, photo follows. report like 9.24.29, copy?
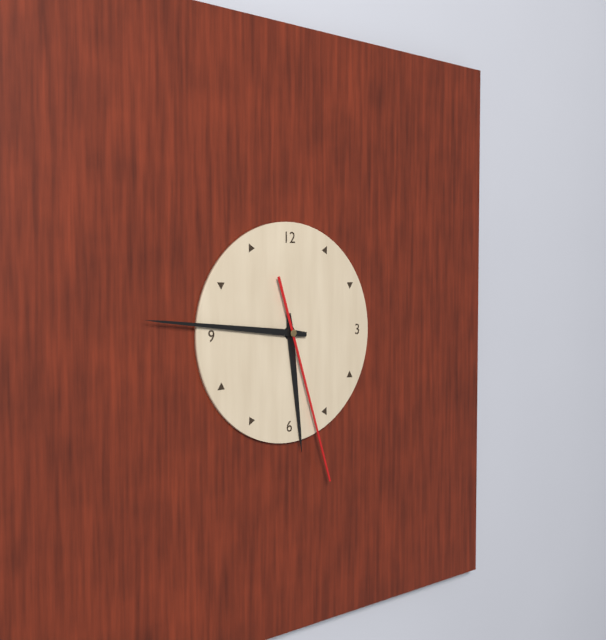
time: 5.46.27
